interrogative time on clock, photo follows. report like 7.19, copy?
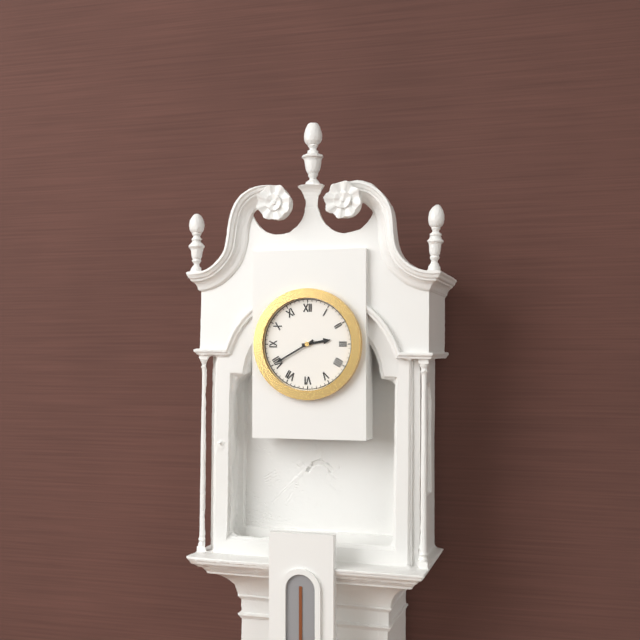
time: 2.40
